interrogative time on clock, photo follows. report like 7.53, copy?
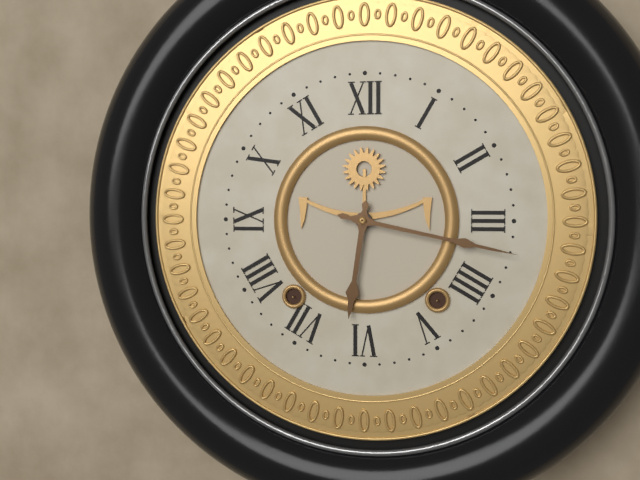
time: 6.17
